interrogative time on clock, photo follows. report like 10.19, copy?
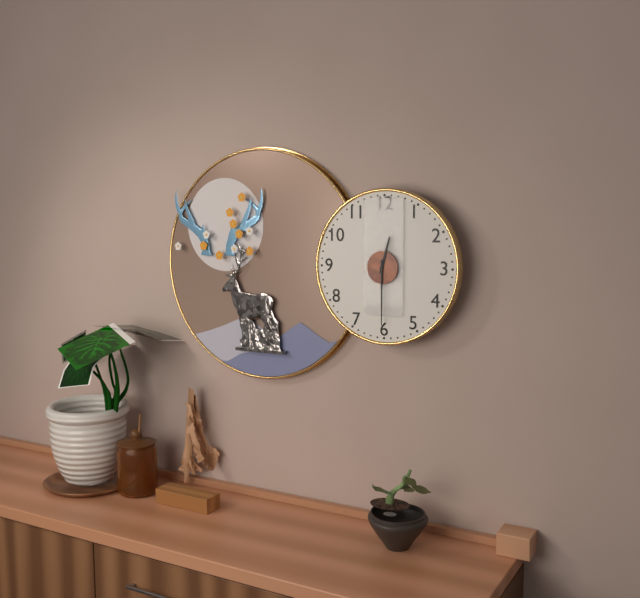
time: 12.30
